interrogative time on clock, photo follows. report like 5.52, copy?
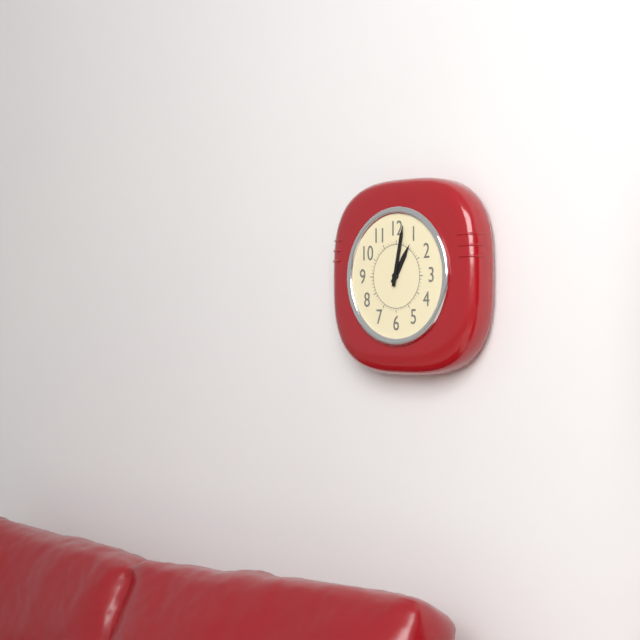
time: 1.02
